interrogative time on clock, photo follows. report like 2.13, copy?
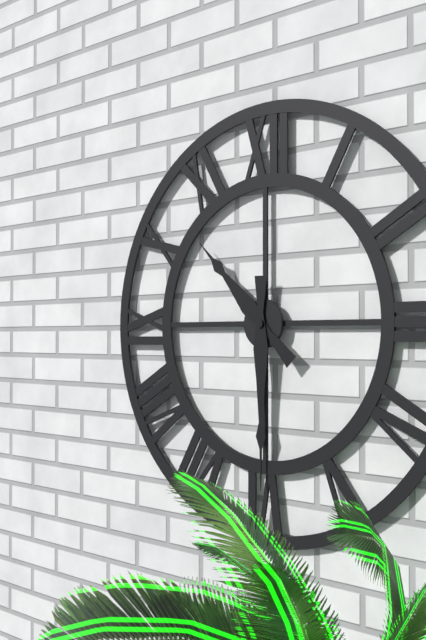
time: 10.30
